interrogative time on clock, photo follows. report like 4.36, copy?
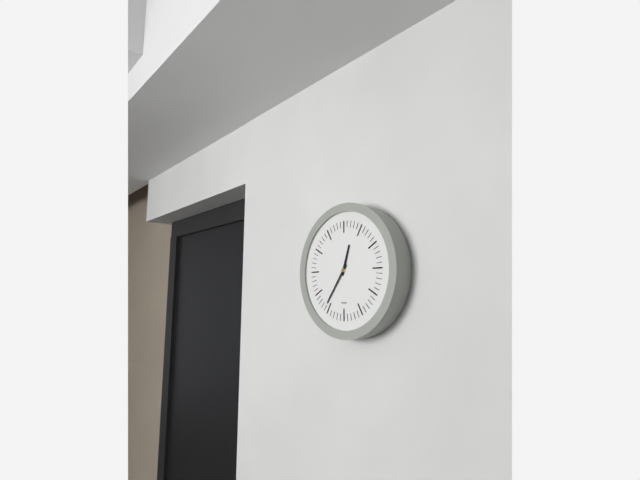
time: 12.36
